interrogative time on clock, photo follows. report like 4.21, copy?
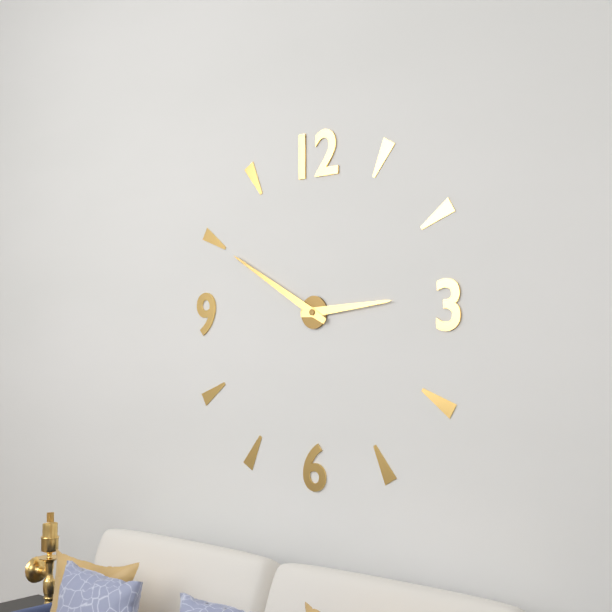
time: 2.50
